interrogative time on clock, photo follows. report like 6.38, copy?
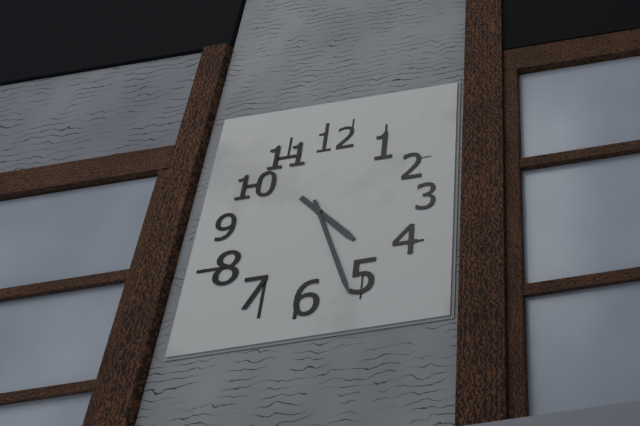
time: 4.26
